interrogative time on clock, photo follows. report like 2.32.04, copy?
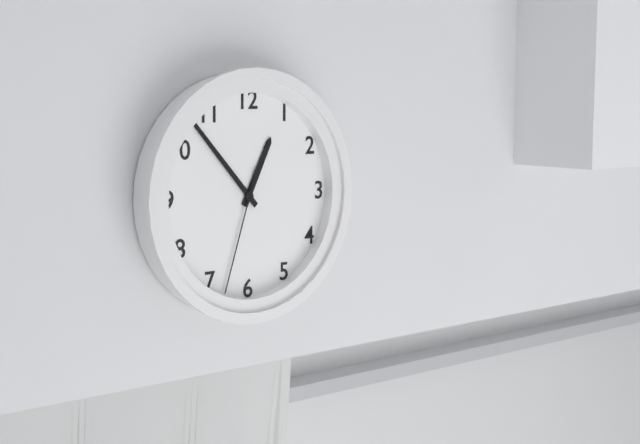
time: 12.53.33
